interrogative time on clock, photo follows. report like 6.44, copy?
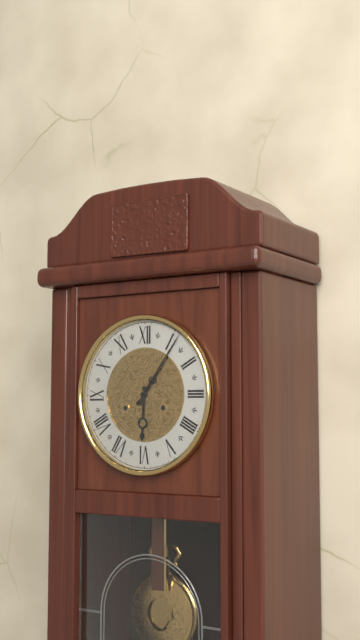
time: 6.06
